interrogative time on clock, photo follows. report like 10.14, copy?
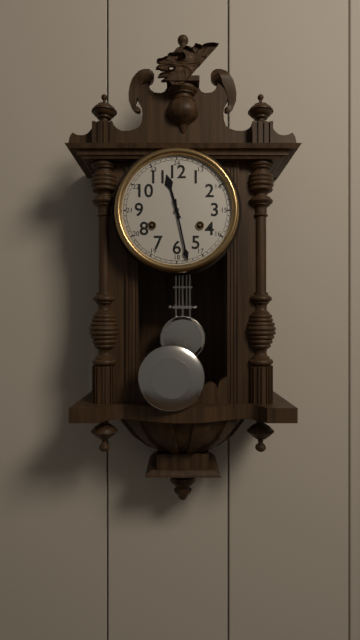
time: 11.28
